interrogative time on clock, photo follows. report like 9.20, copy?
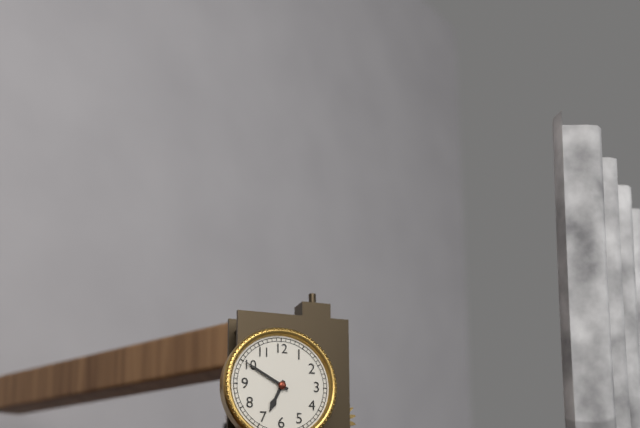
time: 6.50
